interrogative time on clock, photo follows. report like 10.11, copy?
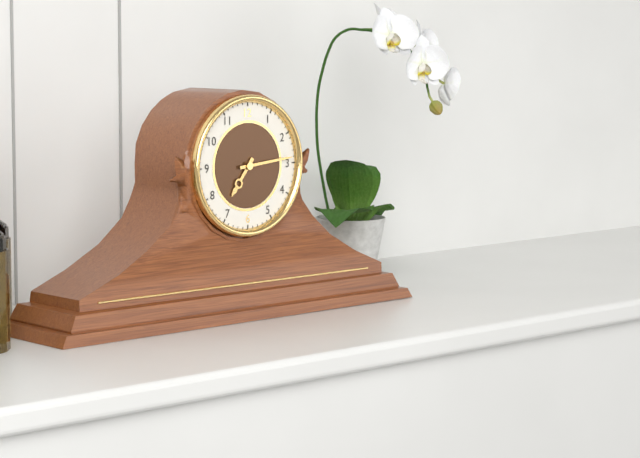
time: 7.14
